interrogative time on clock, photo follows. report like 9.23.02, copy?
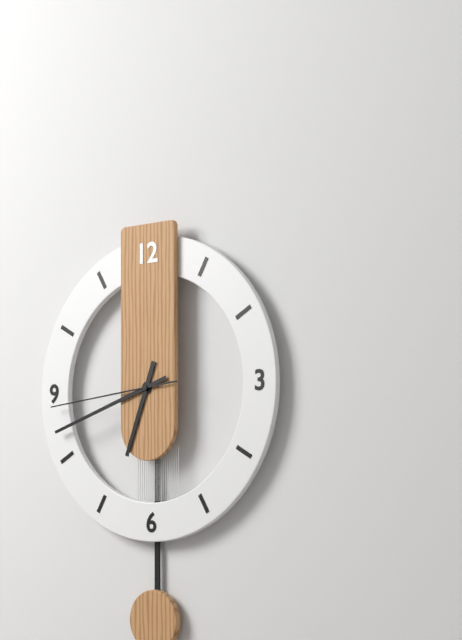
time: 6.42.44
